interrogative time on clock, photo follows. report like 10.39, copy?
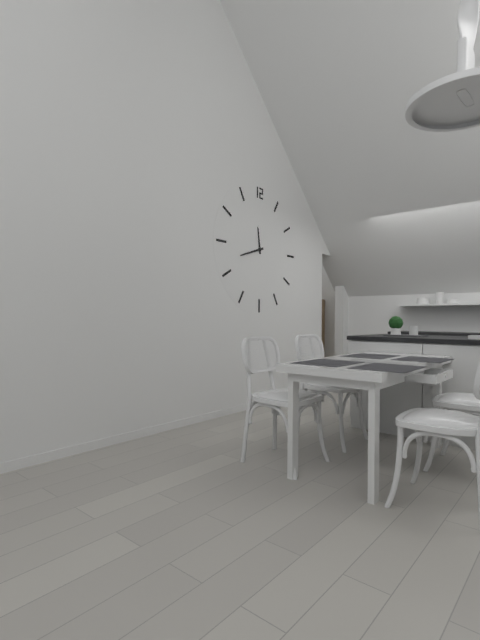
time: 11.42
